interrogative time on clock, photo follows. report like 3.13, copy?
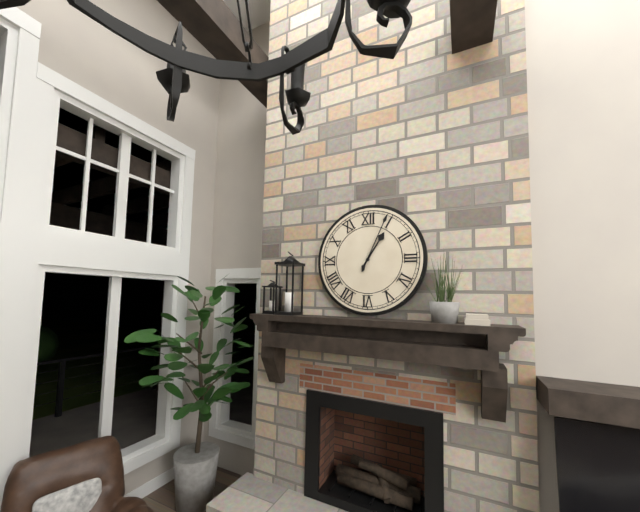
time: 1.04
